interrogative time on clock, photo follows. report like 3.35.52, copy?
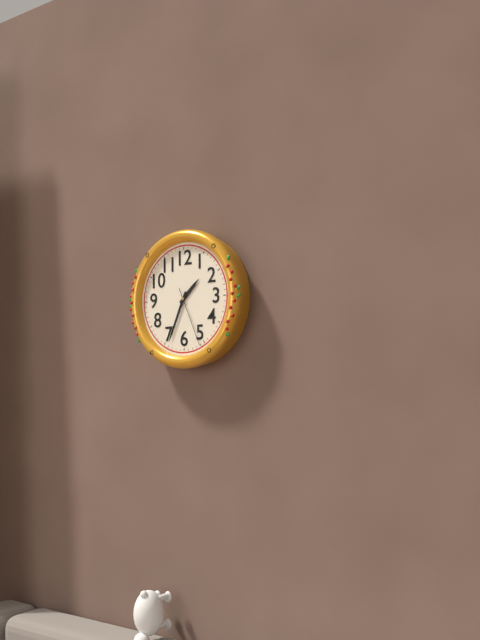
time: 1.34.26
